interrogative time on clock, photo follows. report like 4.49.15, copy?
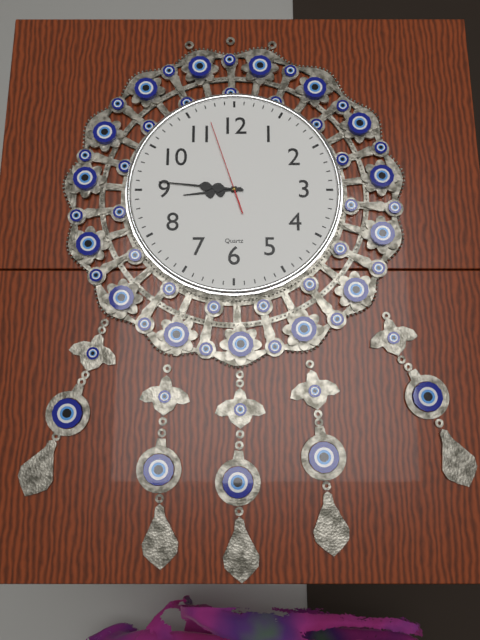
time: 8.46.57
